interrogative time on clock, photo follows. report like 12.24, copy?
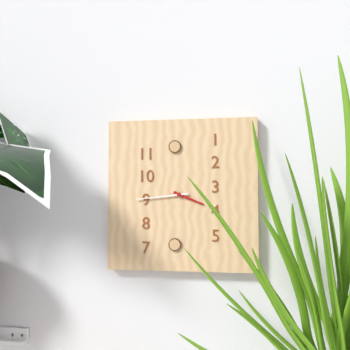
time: 3.44
